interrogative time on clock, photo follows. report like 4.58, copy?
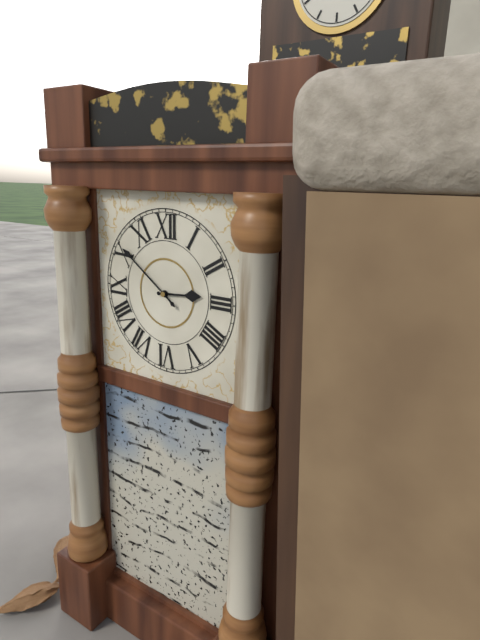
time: 2.51
